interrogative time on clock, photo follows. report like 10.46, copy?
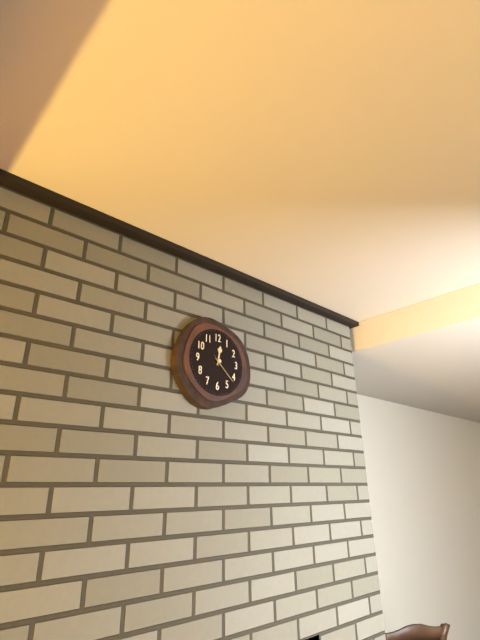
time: 12.22
